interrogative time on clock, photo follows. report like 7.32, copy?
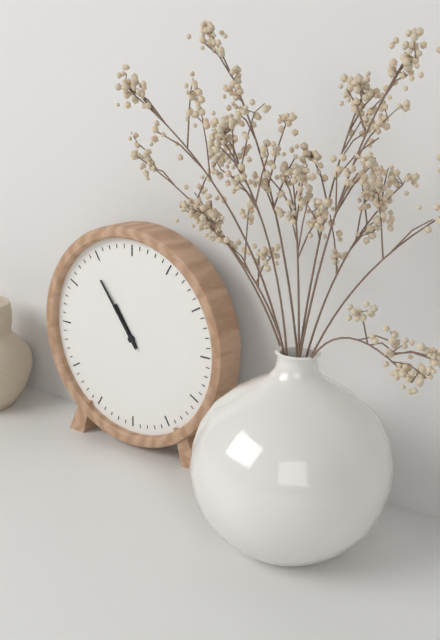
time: 10.54
